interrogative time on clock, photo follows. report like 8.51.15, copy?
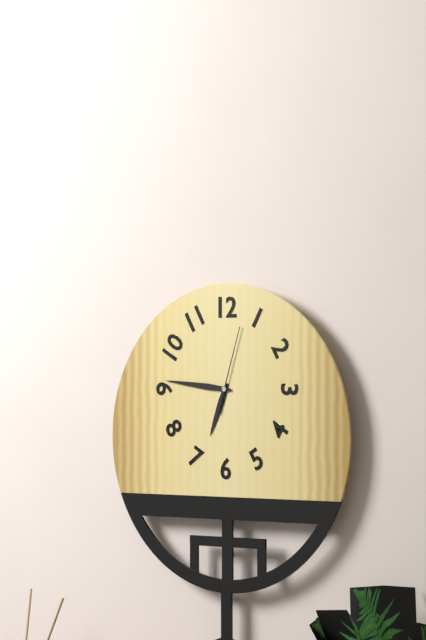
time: 6.46.03
